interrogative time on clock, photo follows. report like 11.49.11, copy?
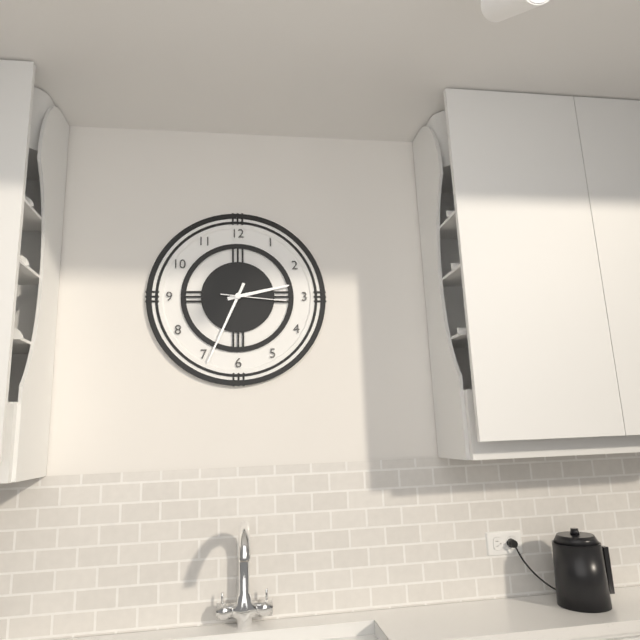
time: 2.34.16
